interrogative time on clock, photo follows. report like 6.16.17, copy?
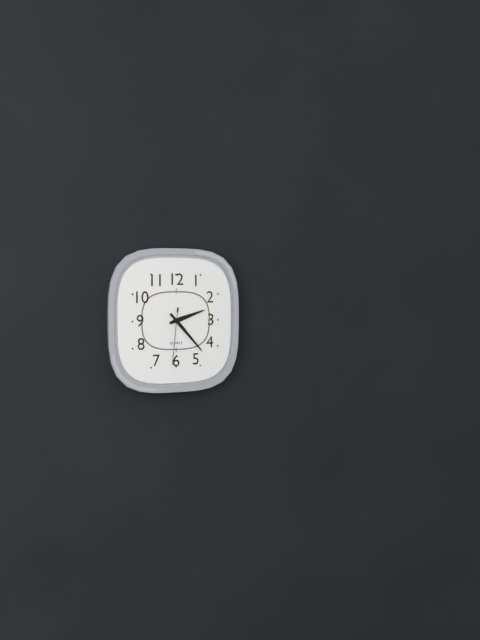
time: 2.23.31
